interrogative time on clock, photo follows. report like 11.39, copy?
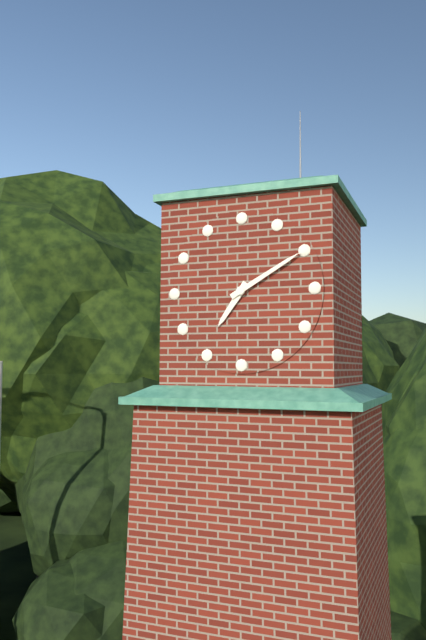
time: 7.10
